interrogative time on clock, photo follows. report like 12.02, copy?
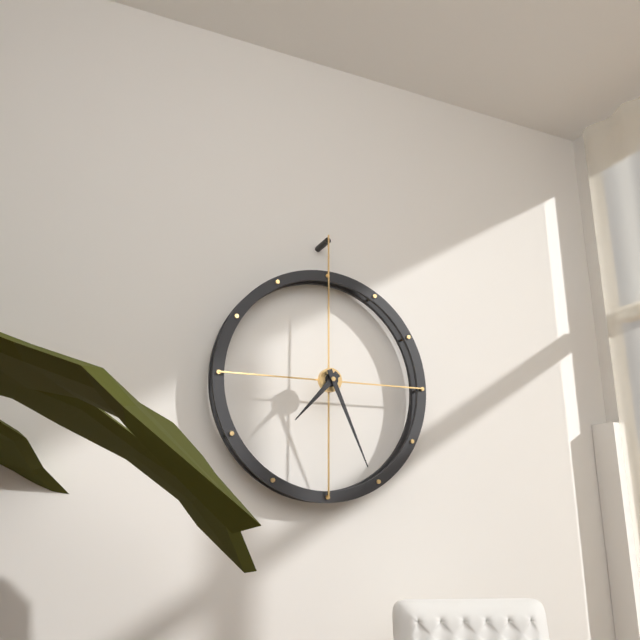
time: 7.26
